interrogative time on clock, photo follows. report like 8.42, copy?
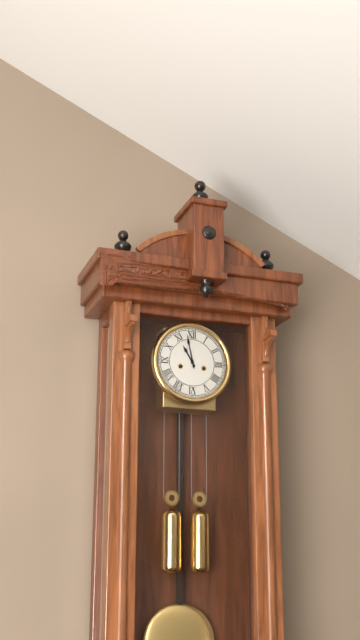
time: 10.58
